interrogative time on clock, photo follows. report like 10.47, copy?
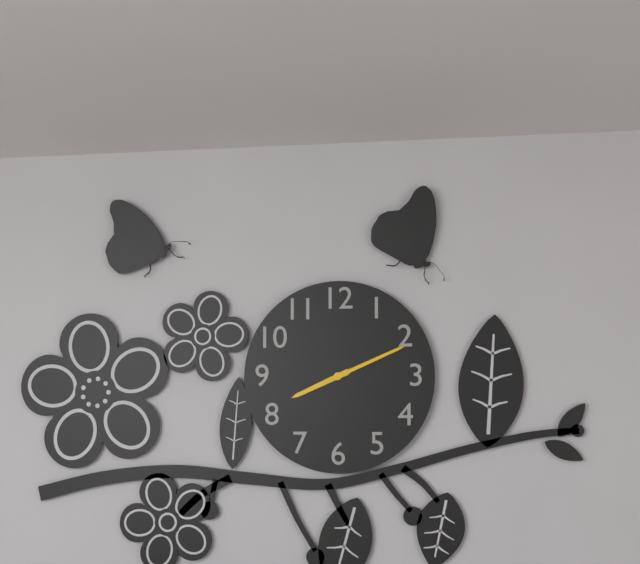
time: 8.11
